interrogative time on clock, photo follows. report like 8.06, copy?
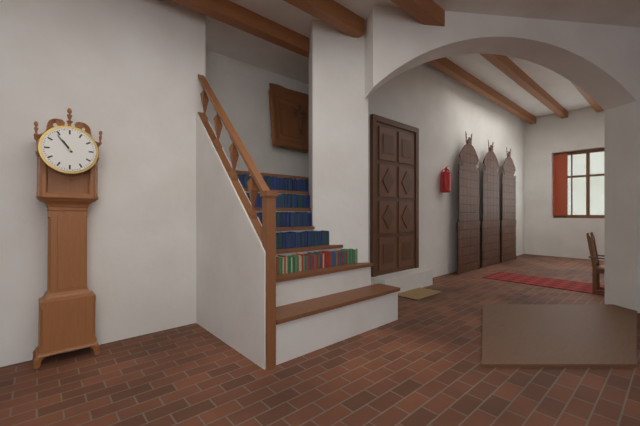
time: 10.54
